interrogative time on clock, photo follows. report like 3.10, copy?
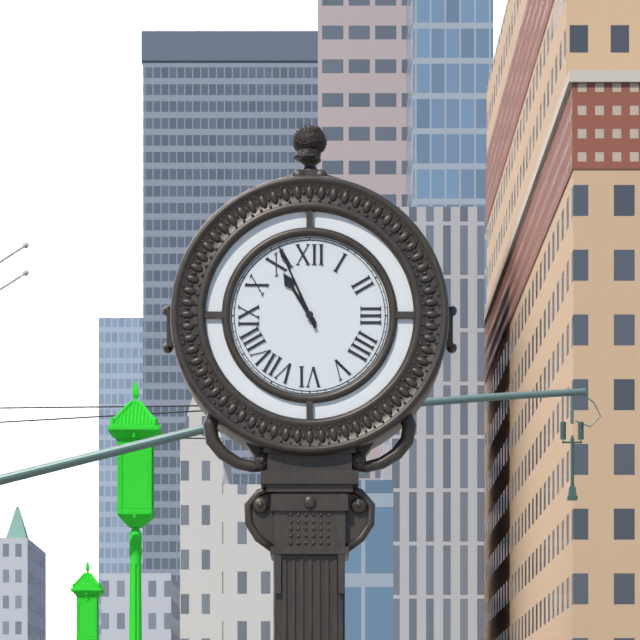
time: 10.56
